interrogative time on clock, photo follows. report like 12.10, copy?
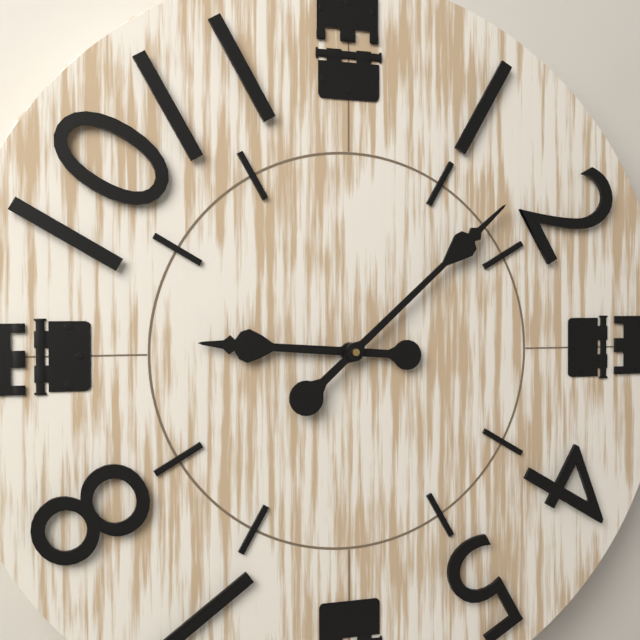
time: 9.08
